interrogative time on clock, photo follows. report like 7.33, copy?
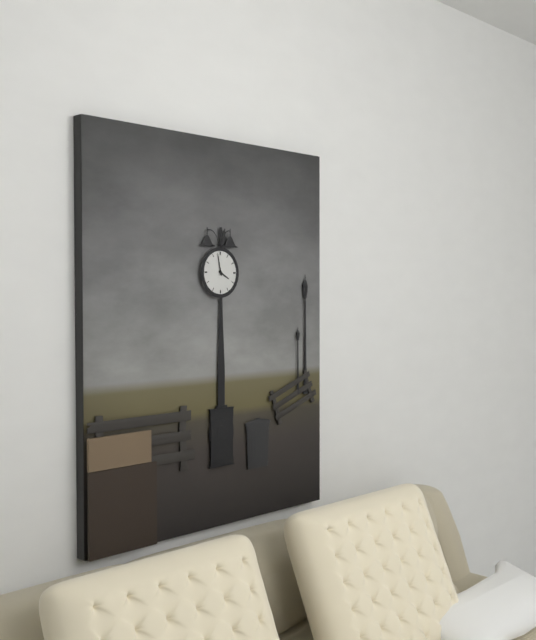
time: 3.58
